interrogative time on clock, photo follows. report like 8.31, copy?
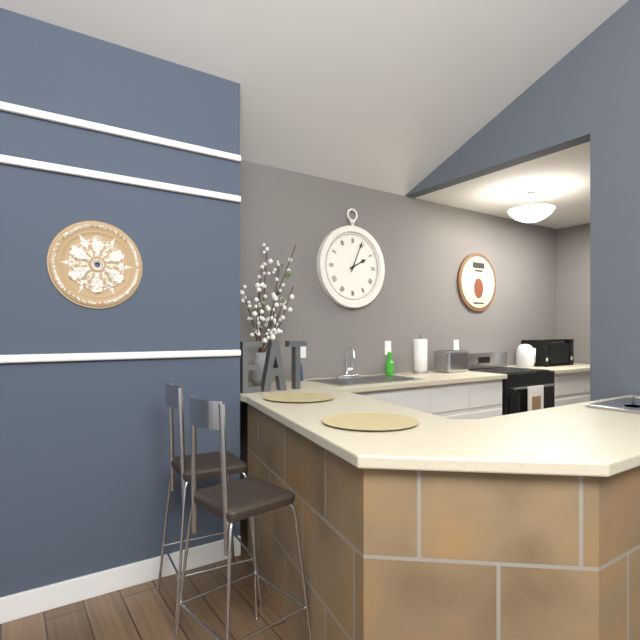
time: 2.04
